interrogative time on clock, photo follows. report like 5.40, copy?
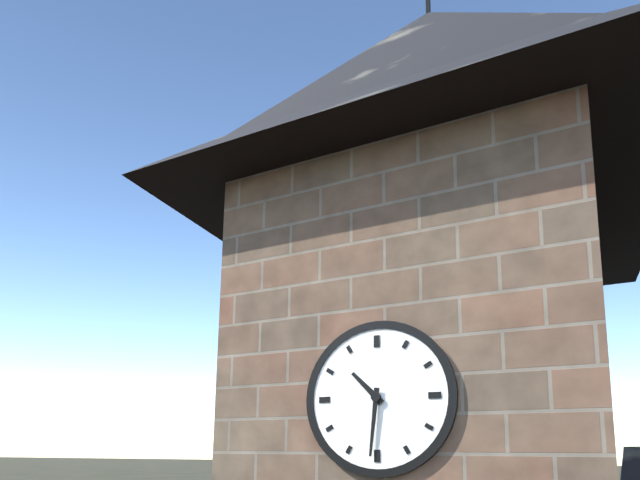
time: 10.31
